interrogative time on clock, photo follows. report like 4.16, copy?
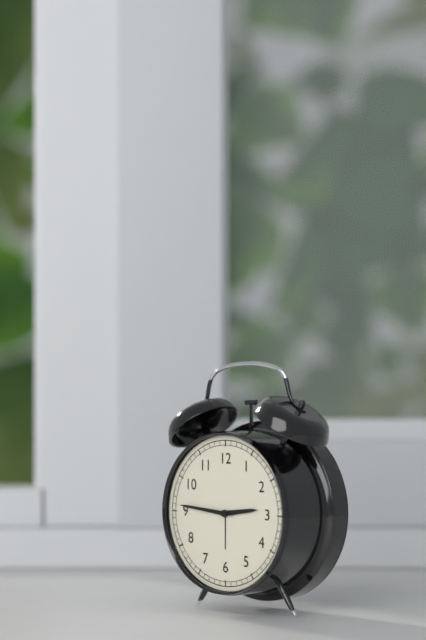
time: 2.46
